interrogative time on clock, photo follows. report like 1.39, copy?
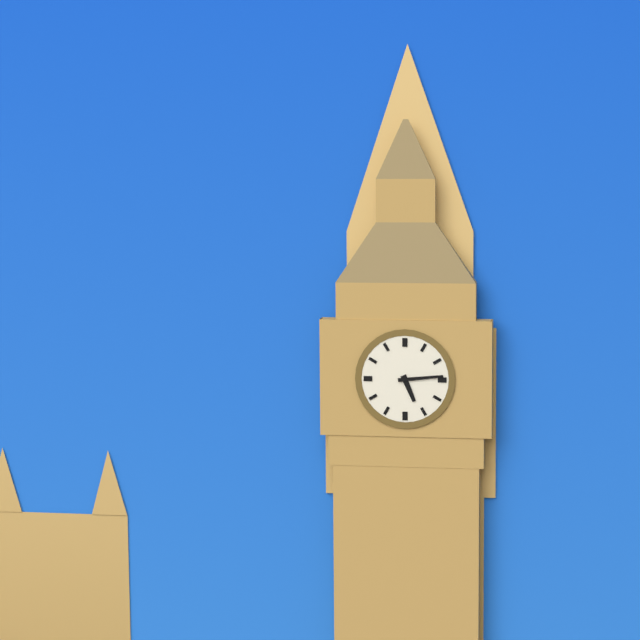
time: 5.14
